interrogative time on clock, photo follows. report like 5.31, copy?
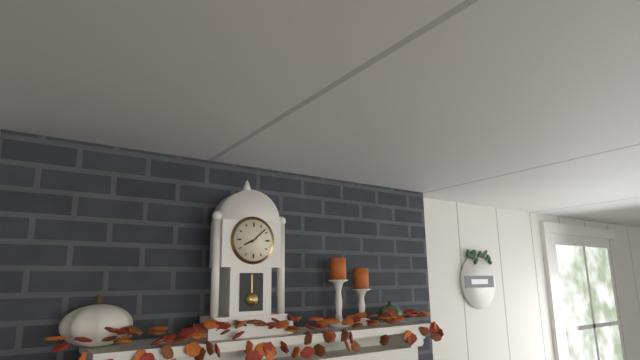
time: 8.08
